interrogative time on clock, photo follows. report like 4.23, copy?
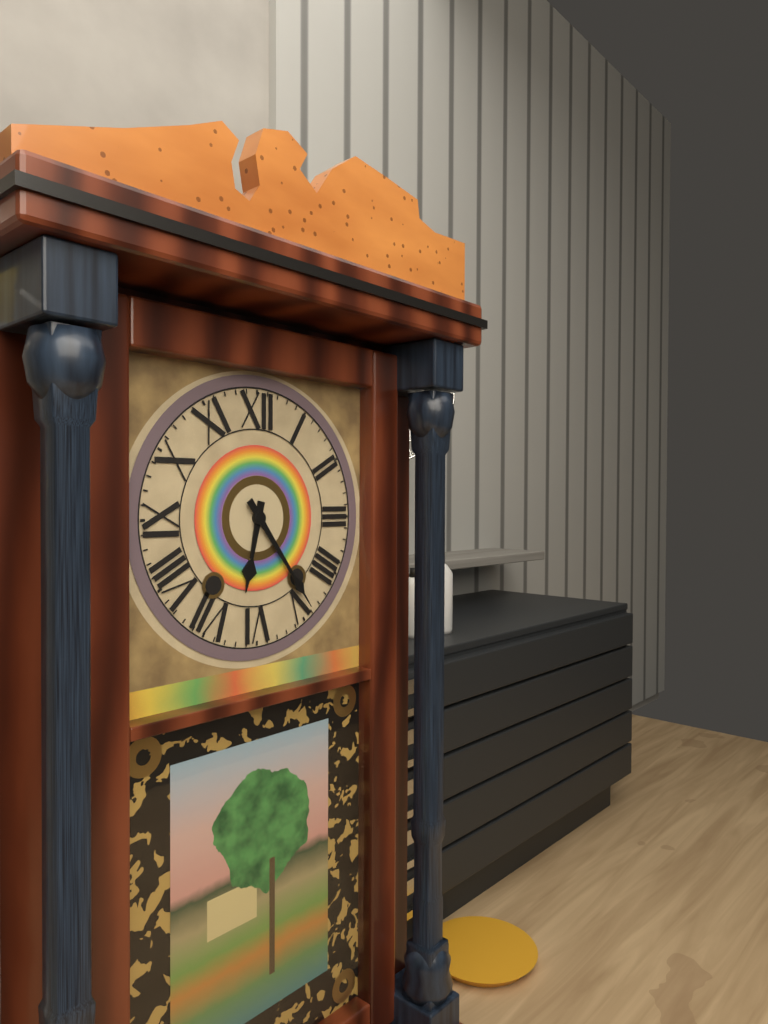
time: 6.24
